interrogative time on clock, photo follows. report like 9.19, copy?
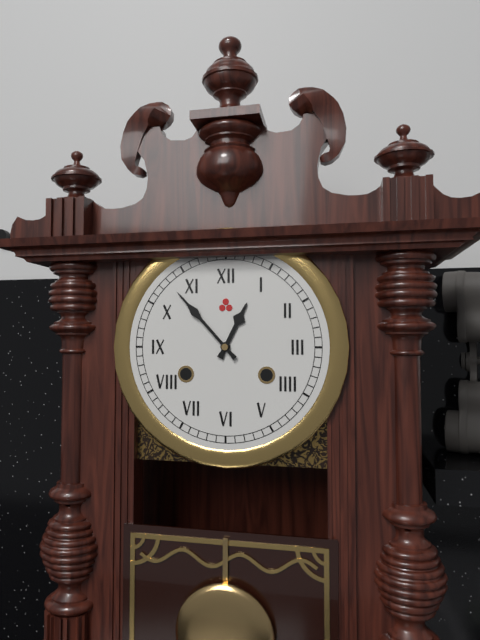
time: 12.53
